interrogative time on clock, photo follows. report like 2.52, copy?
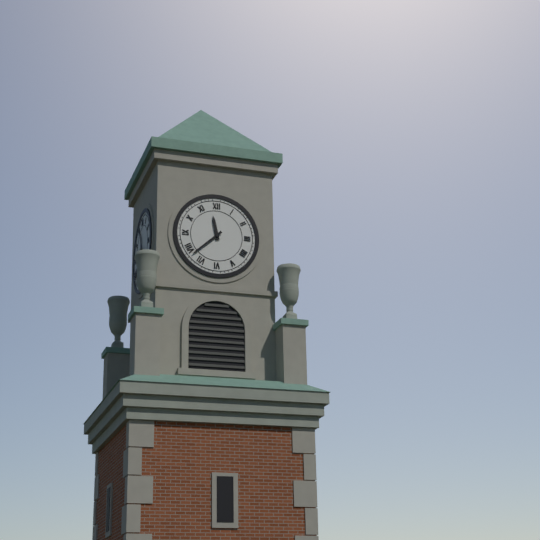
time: 11.38
